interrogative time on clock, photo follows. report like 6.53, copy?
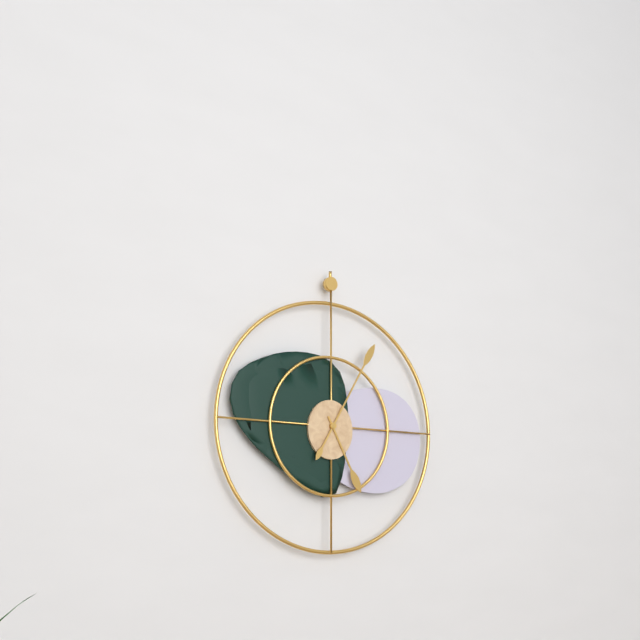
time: 5.05
